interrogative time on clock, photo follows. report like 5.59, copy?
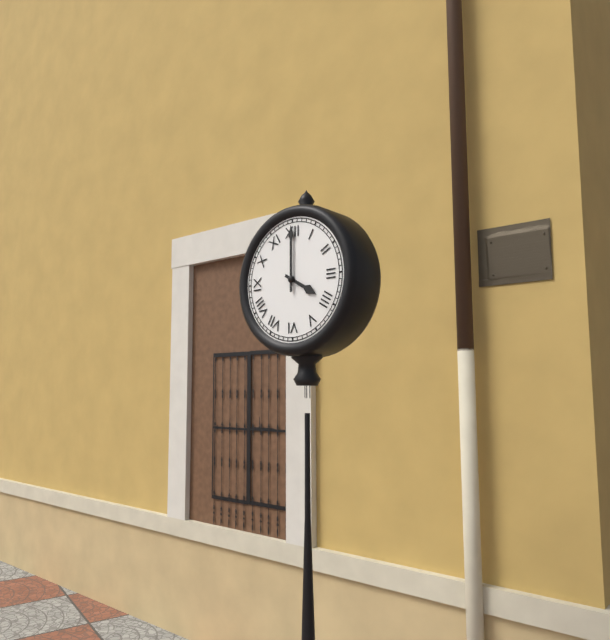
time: 4.00
